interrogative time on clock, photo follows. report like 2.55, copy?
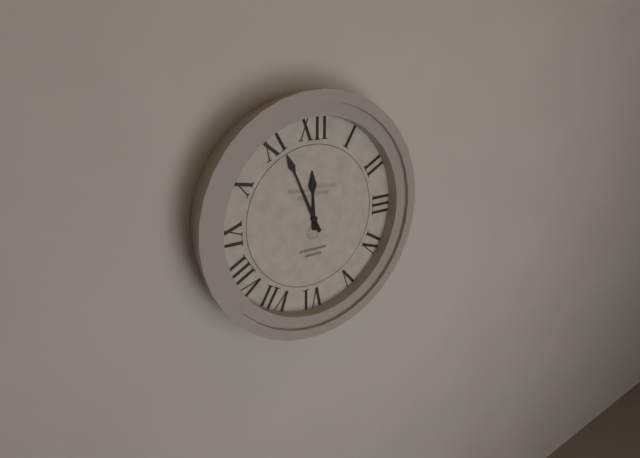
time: 11.56
